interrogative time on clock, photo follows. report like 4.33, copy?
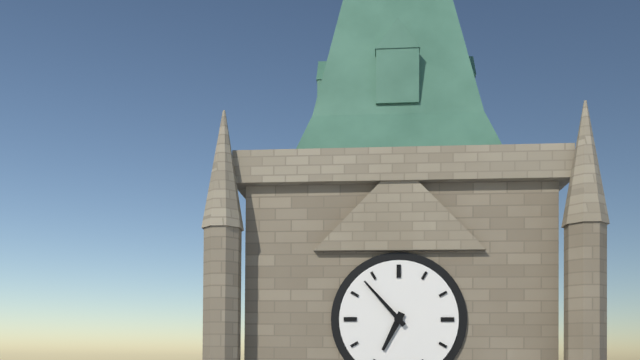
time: 6.53
